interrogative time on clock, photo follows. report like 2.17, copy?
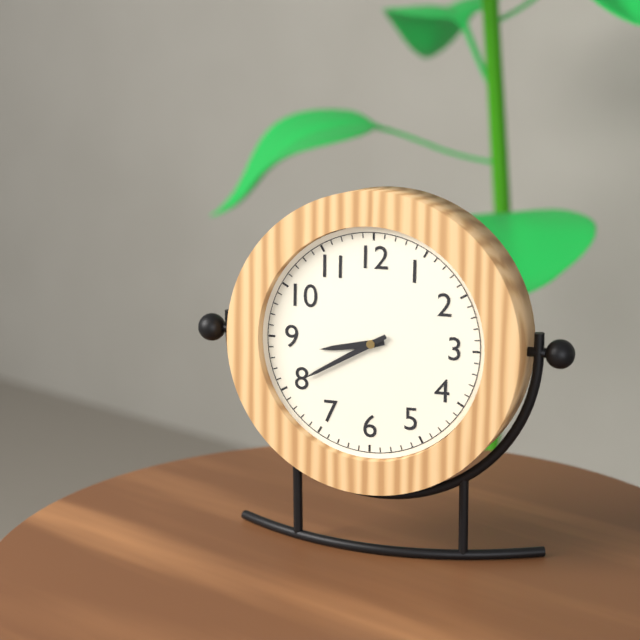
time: 8.40
